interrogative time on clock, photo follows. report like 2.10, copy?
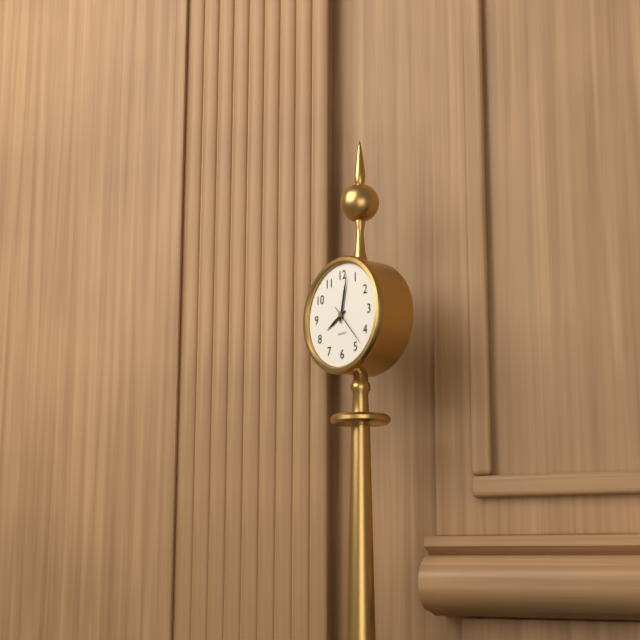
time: 8.02
